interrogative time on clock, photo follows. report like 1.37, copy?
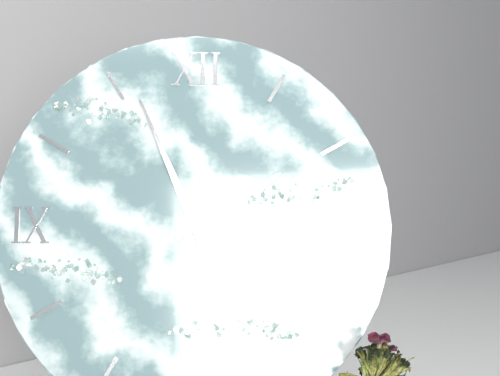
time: 1.56
